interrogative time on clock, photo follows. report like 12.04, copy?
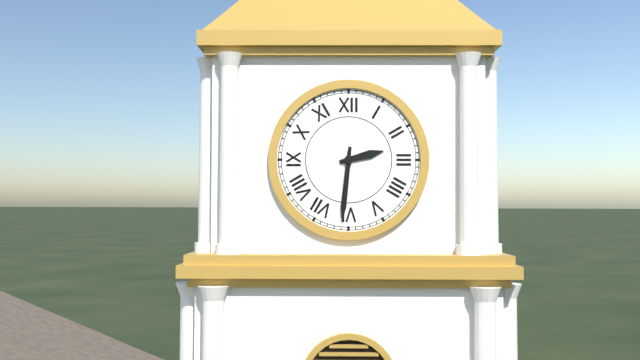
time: 2.31
